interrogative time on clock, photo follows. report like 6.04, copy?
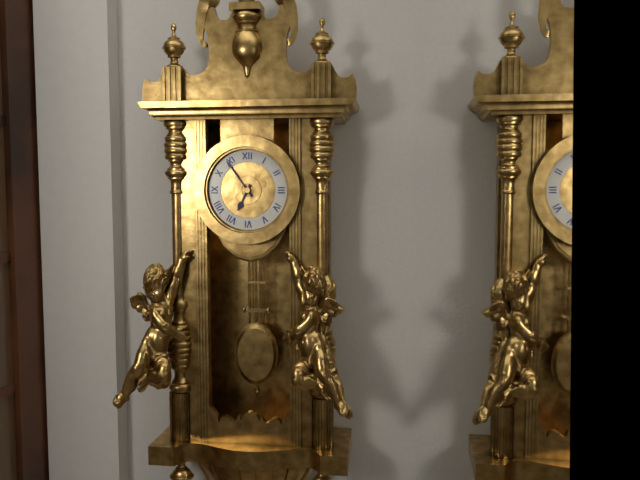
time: 6.54
